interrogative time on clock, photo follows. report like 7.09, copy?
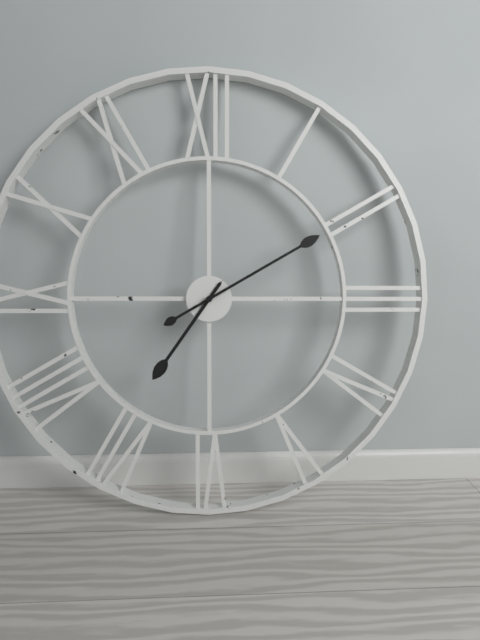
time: 7.10
